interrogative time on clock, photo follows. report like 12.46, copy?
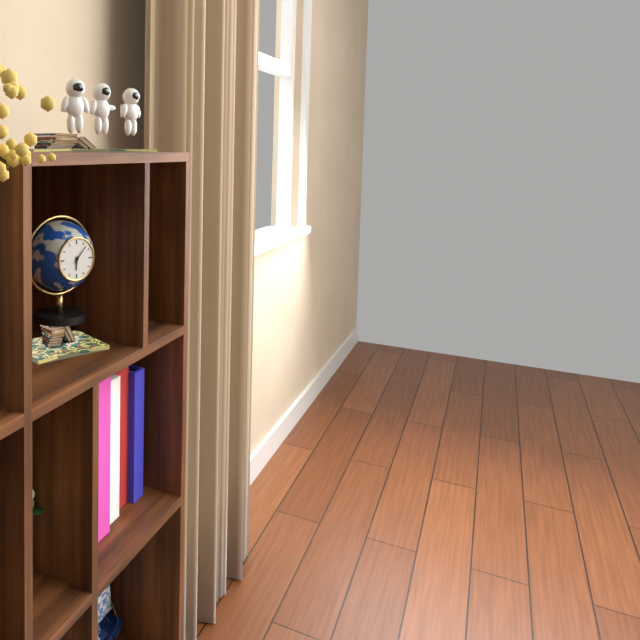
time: 6.07
